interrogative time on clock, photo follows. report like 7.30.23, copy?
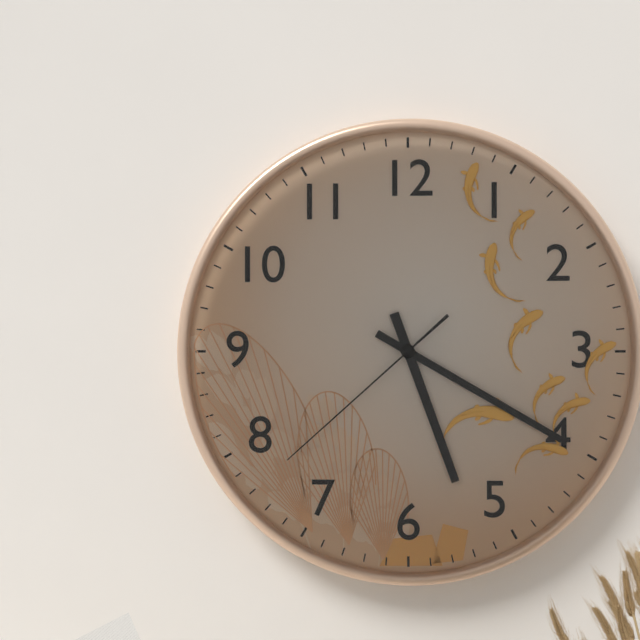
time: 5.20.38
